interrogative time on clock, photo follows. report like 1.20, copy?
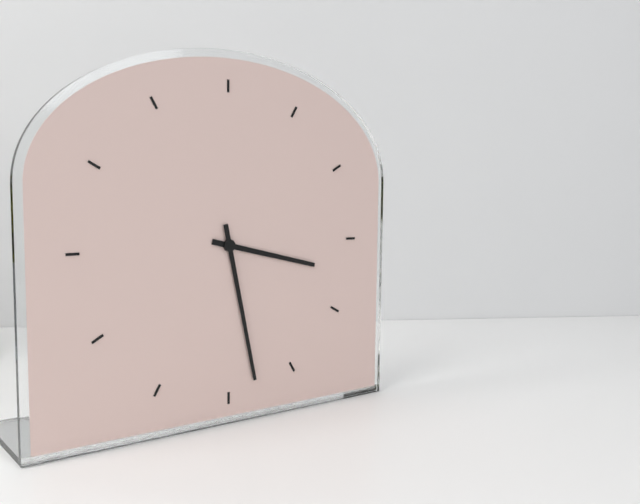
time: 3.28
